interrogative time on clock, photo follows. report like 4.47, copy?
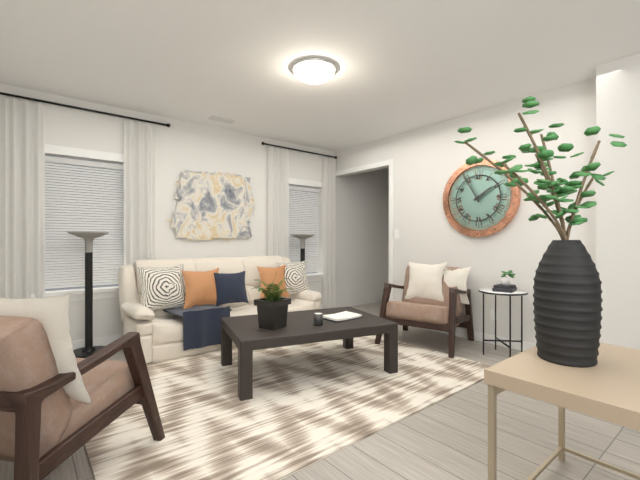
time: 1.55
